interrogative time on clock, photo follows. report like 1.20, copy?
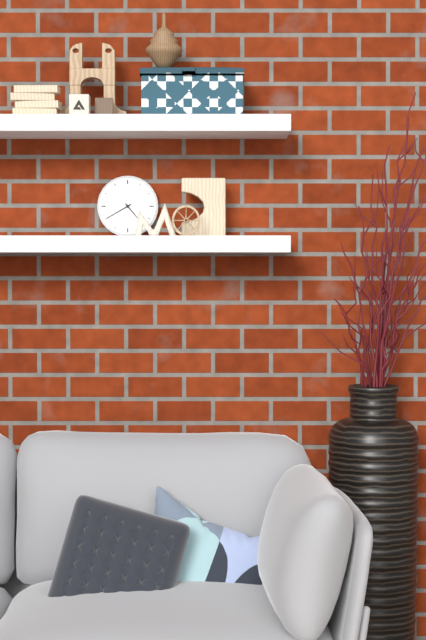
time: 4.40
